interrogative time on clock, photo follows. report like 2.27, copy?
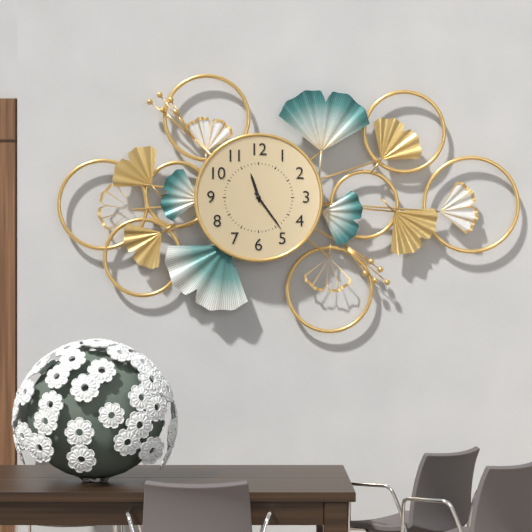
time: 11.24
